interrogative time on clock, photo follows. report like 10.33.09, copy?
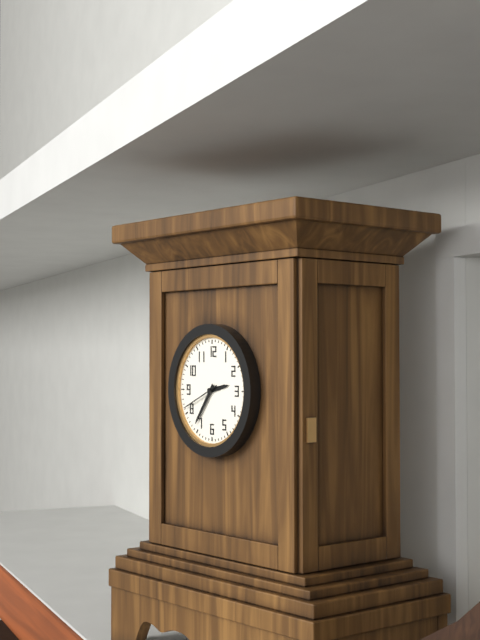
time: 2.36.41
